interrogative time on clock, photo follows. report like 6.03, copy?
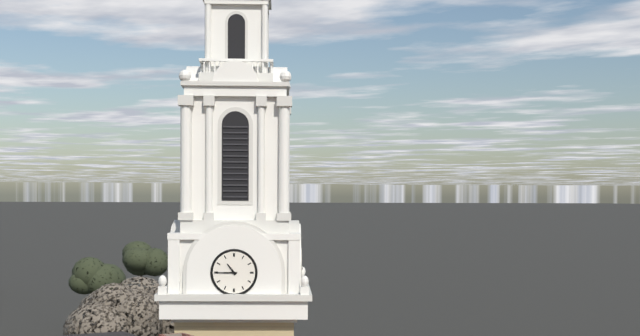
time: 10.45
